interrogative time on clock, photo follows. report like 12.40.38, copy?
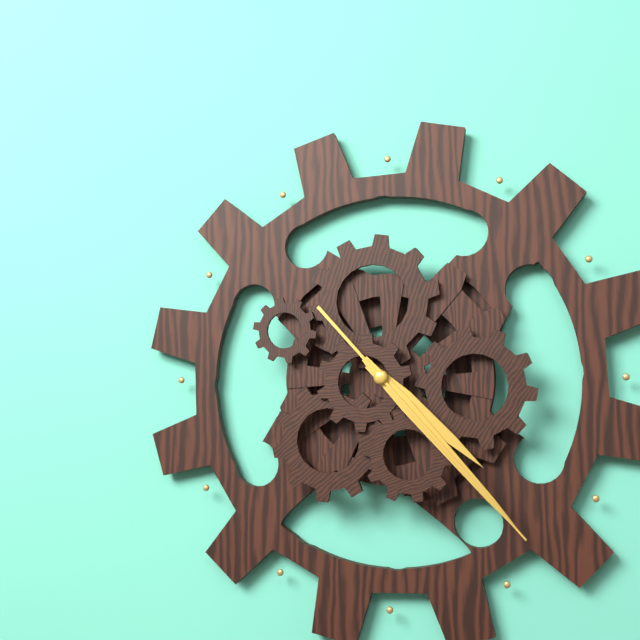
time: 4.23.23
